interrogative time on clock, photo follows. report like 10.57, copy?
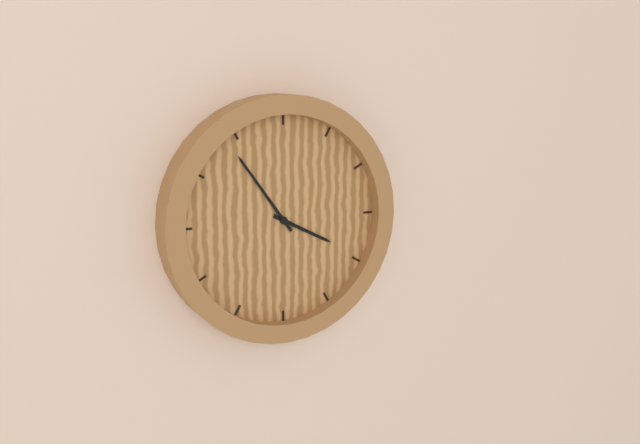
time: 3.54
